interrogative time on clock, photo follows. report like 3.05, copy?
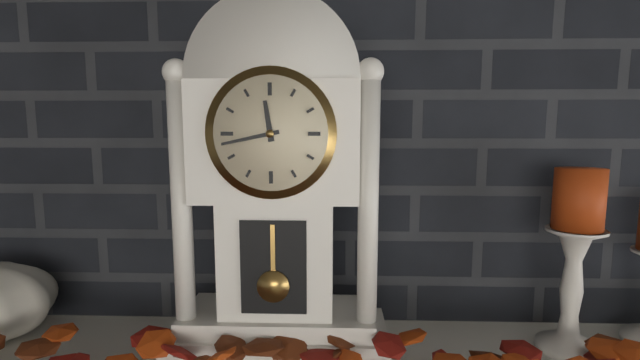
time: 11.43
